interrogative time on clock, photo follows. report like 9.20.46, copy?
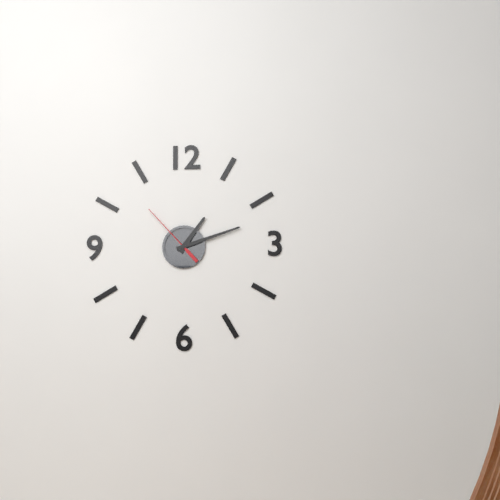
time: 1.12.53
